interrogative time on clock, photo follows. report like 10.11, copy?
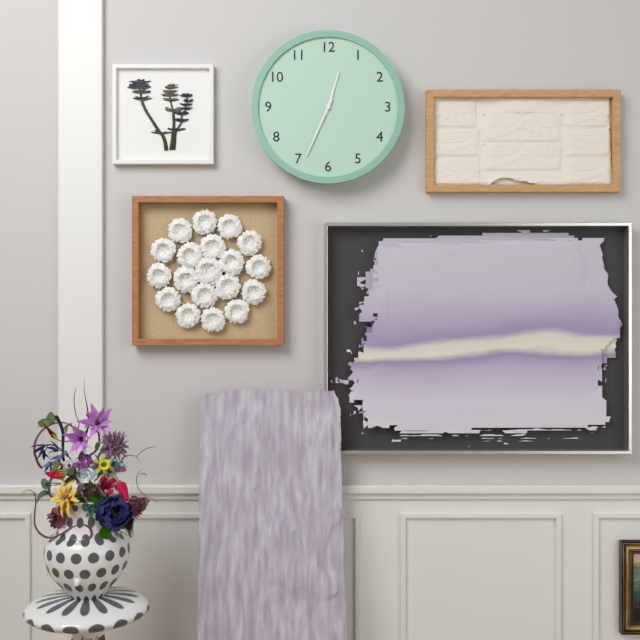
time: 12.34
